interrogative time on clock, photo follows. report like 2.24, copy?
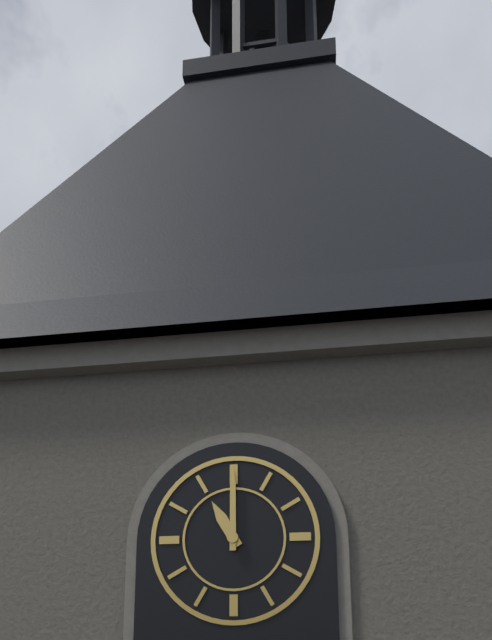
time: 11.00
